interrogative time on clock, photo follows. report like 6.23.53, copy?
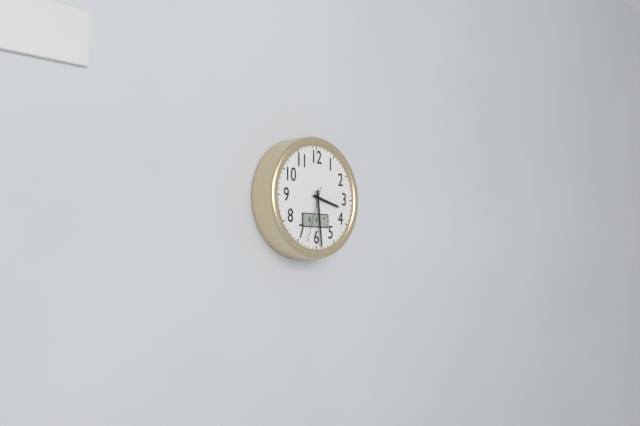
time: 3.29.33
